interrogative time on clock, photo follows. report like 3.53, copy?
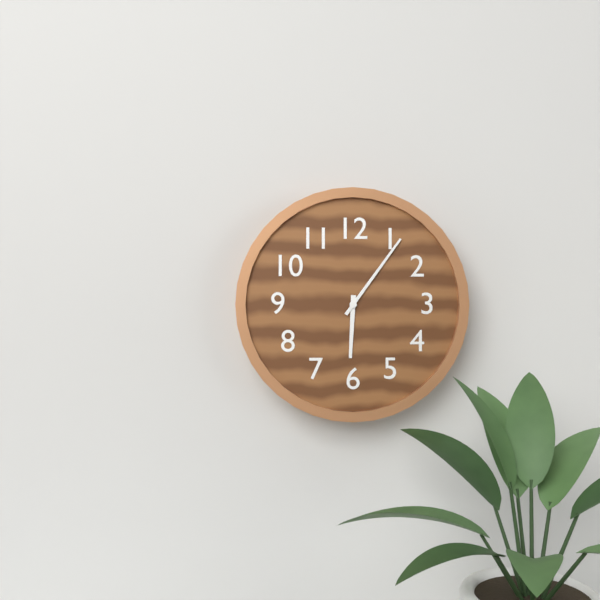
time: 6.06
